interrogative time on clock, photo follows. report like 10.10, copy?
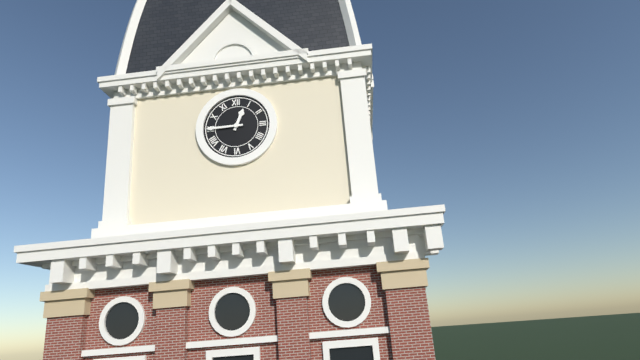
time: 12.45
